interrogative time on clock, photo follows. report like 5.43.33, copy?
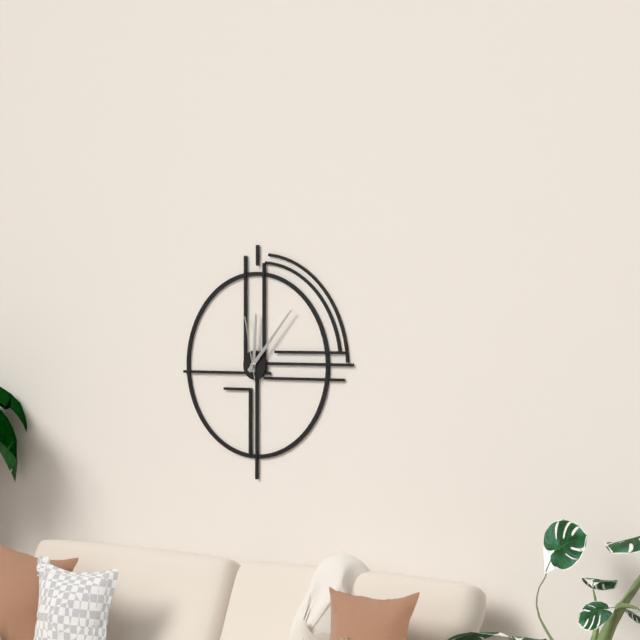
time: 12.07.58
